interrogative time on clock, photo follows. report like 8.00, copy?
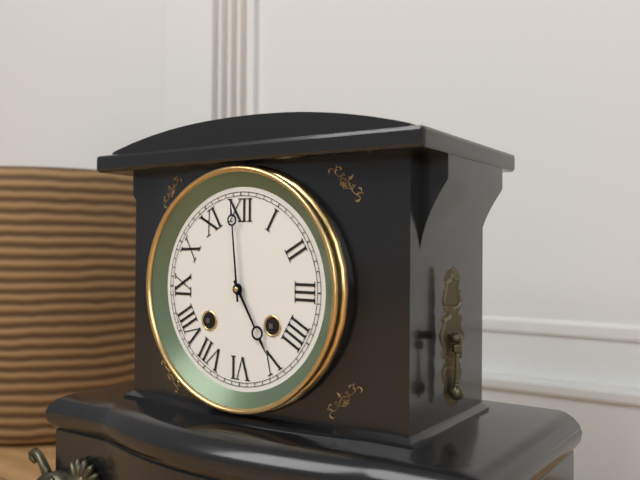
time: 4.59
